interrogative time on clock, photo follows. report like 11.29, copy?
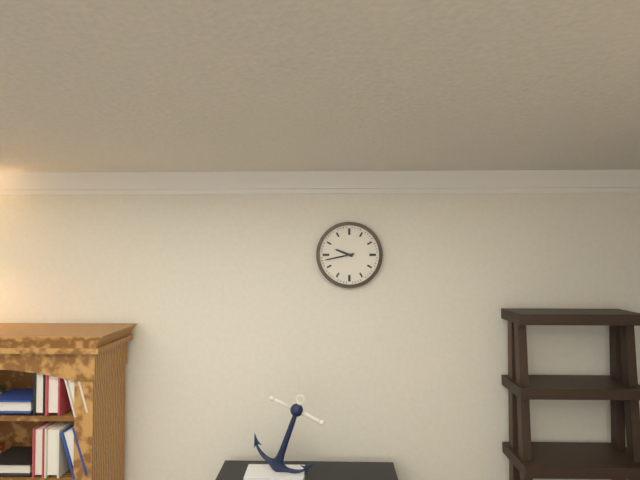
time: 9.43
